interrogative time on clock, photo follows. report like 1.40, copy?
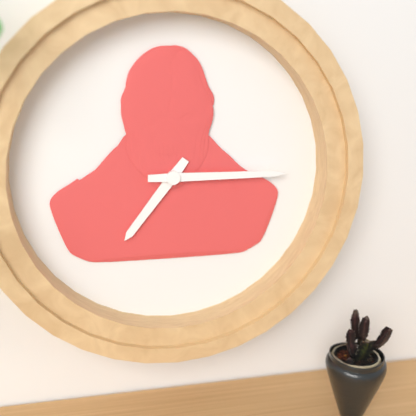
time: 7.15
